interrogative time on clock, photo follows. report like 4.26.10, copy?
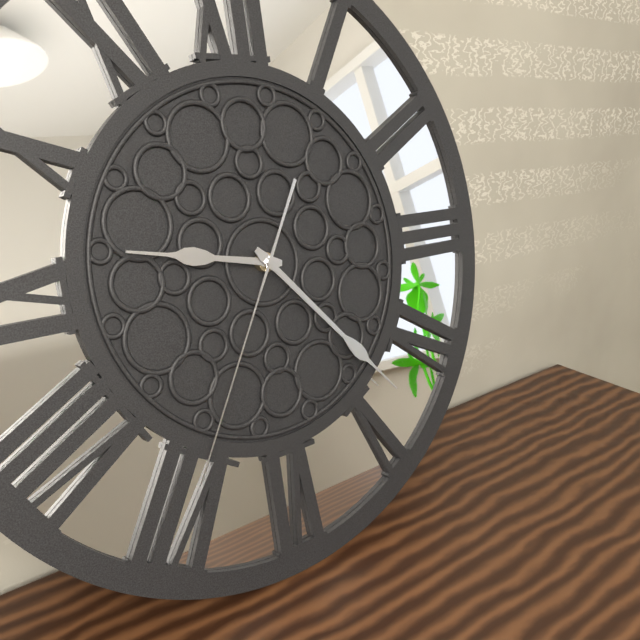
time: 9.23.35
